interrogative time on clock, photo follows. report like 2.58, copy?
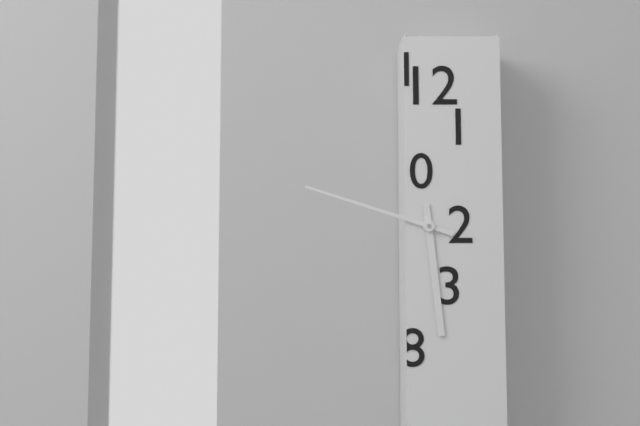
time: 5.48
